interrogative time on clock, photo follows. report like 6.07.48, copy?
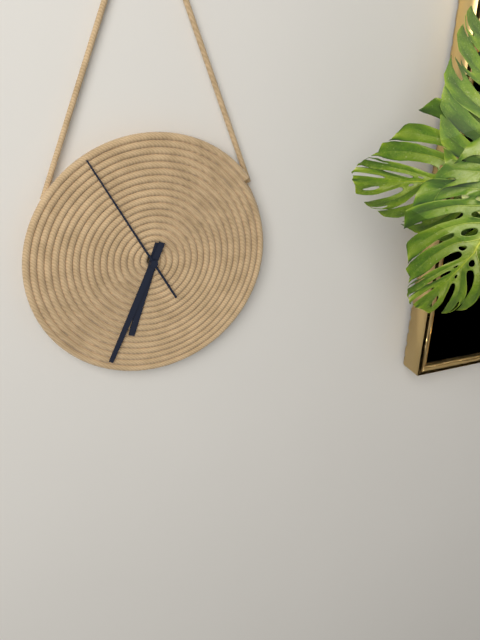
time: 6.34.55
